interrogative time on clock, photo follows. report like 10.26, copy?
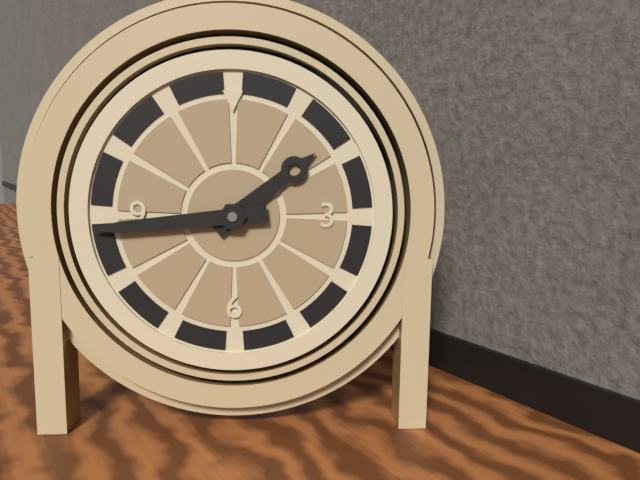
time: 1.44
